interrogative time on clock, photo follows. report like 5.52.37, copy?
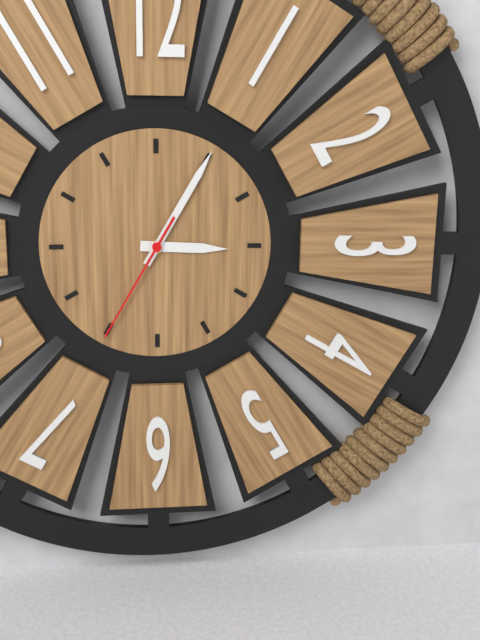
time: 3.05.35
